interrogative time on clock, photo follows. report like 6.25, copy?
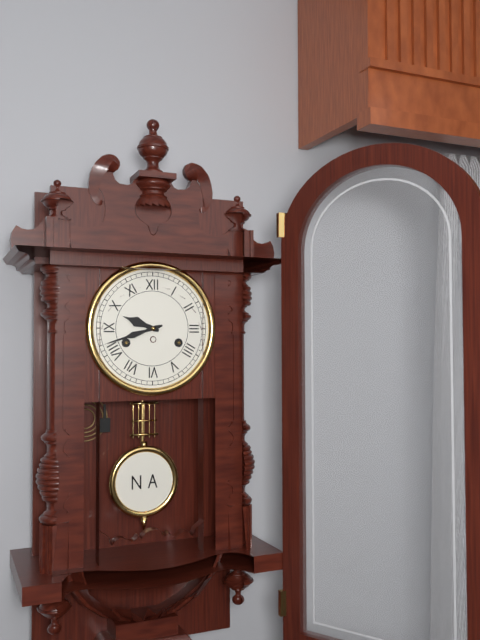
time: 9.42
